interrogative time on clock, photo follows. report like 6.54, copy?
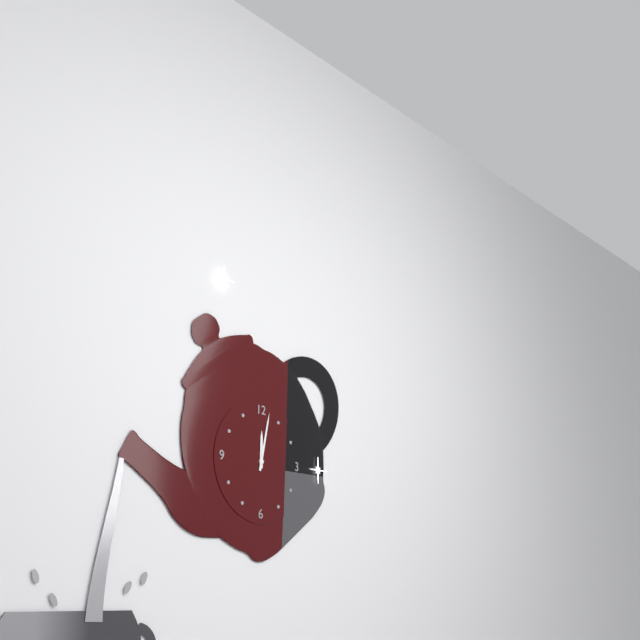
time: 12.02
